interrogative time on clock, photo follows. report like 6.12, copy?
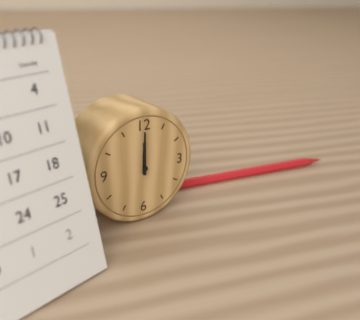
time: 12.00
